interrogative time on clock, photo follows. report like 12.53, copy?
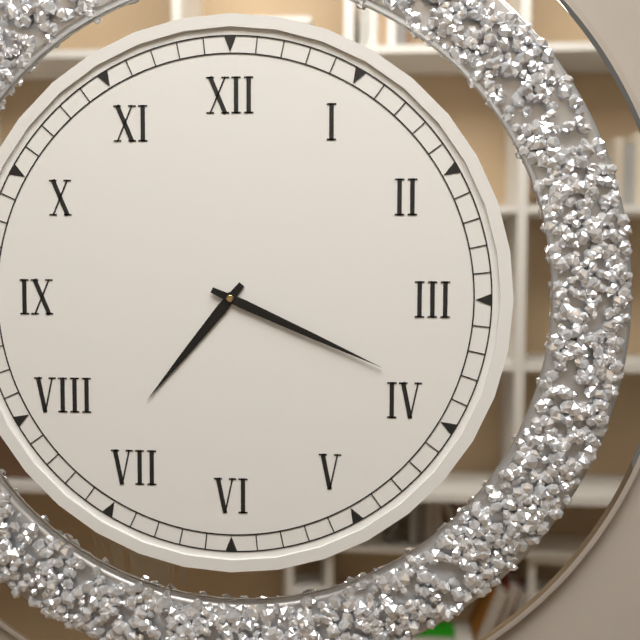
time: 7.19
